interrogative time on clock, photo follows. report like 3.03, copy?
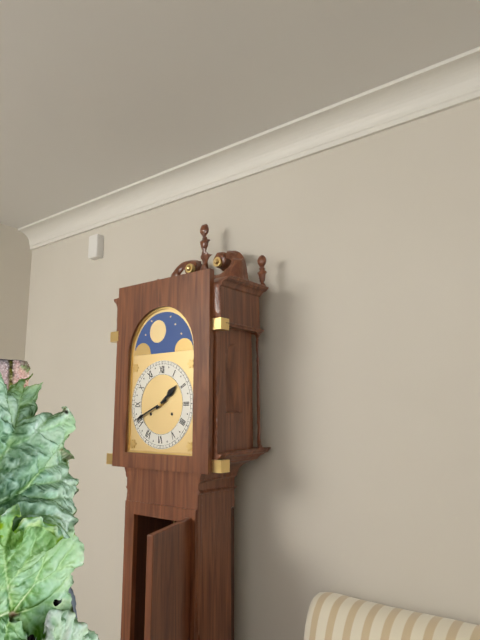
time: 1.41
